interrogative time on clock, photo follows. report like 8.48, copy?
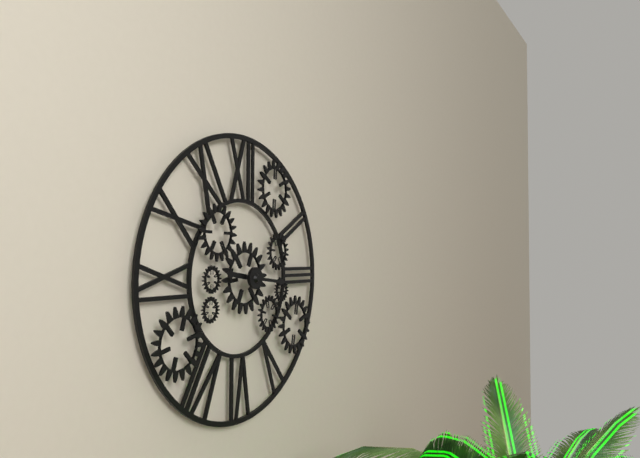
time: 9.16
